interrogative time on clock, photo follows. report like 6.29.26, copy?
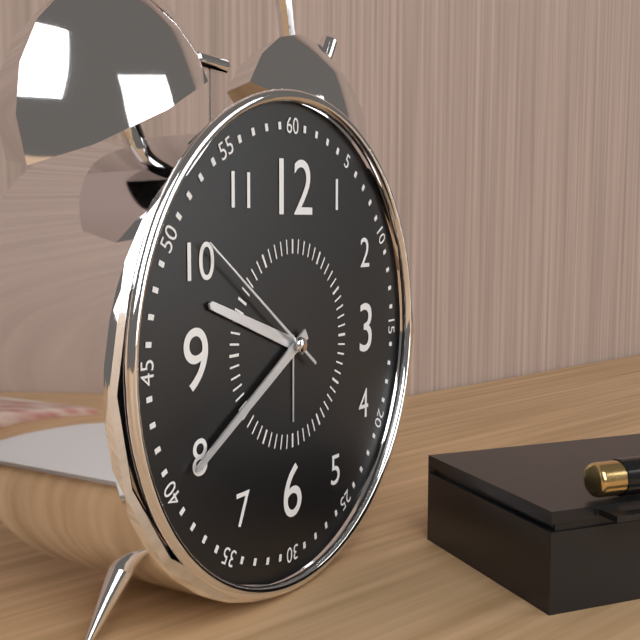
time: 9.40.51
